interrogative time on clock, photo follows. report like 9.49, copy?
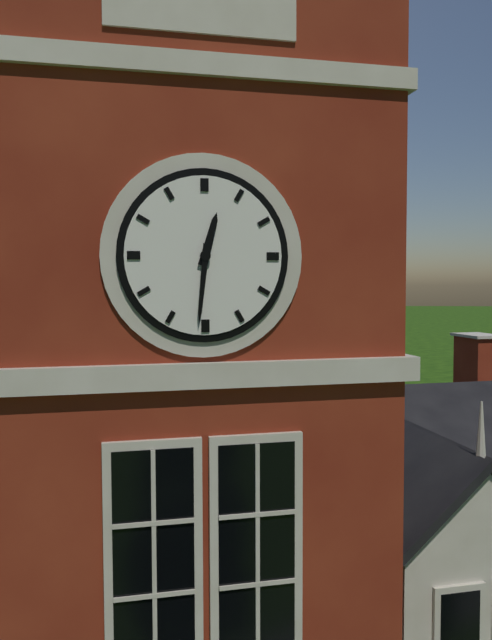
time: 12.31
